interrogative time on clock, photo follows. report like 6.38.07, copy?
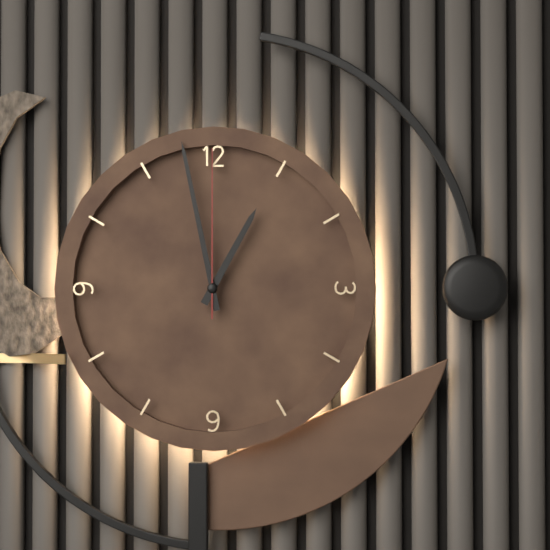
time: 12.58.00
